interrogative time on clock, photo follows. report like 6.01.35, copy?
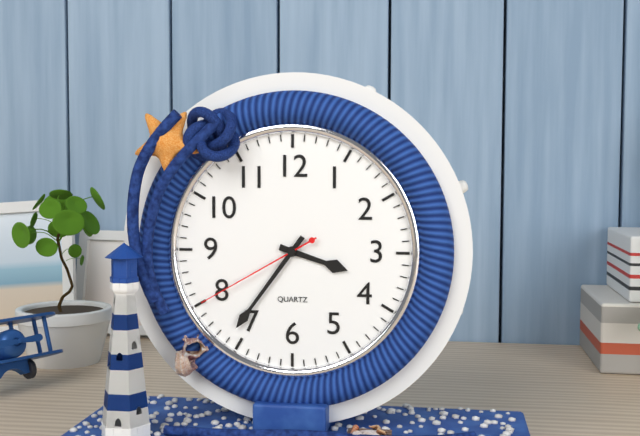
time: 3.36.40
